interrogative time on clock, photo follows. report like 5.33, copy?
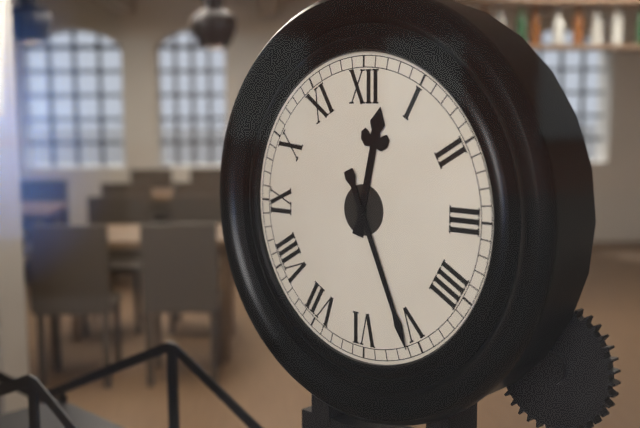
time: 12.26
